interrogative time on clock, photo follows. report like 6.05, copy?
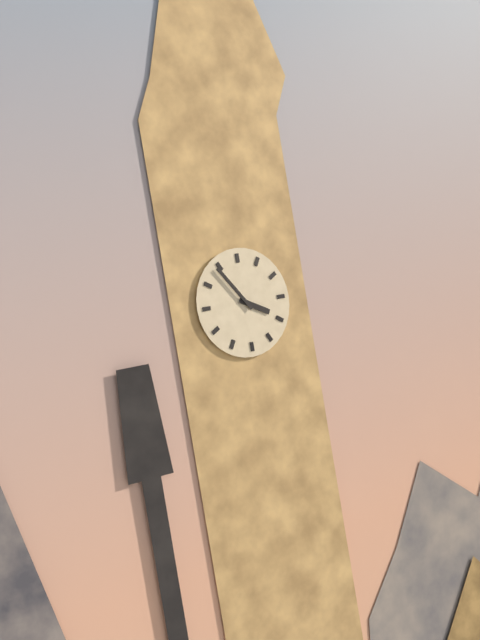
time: 3.54
